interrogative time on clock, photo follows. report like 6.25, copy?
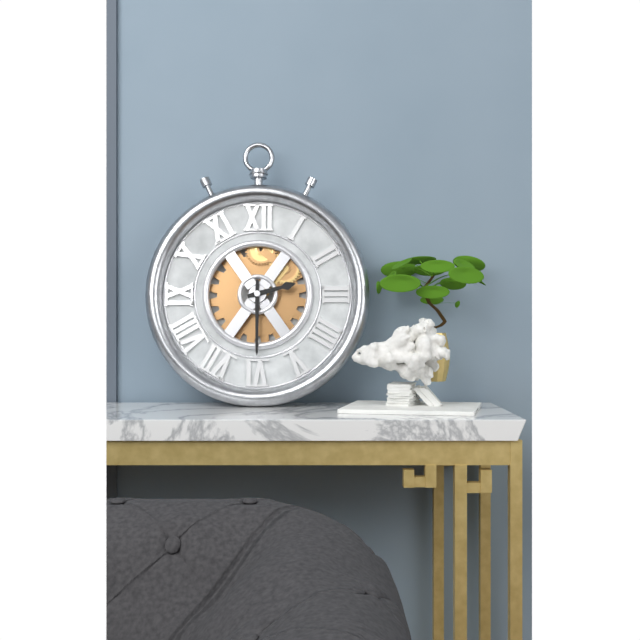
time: 2.30
